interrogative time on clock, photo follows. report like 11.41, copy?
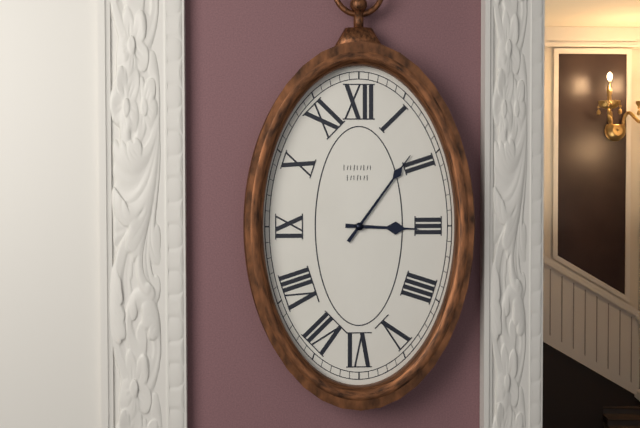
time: 3.06
